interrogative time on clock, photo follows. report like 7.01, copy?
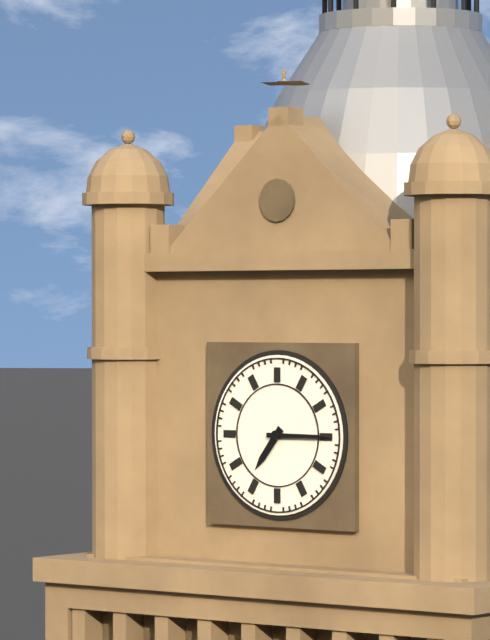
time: 7.15
